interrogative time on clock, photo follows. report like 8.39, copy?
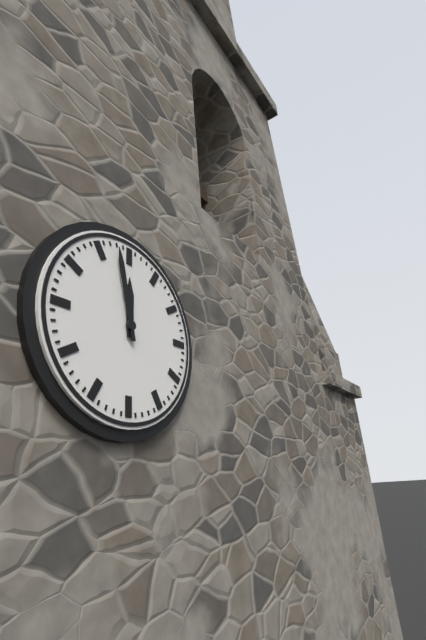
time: 11.58
